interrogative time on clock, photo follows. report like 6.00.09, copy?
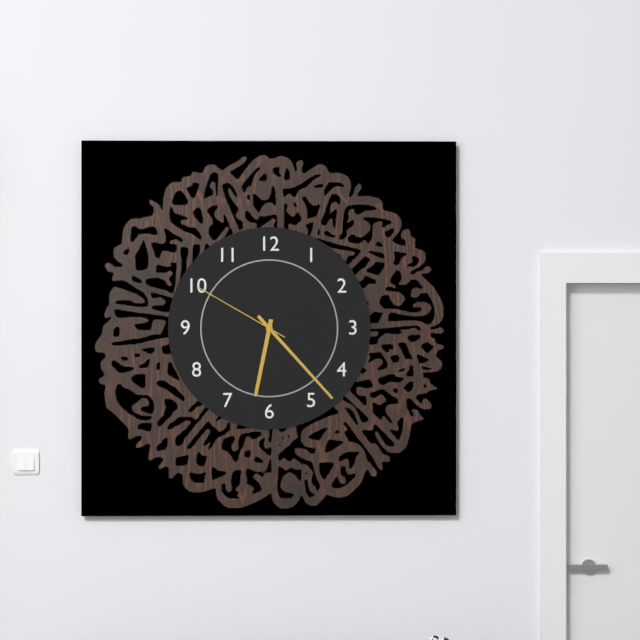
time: 6.23.50
